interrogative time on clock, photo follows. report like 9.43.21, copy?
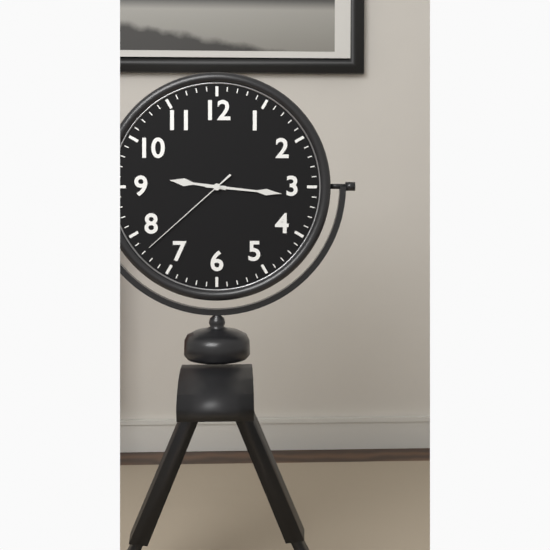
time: 9.16.38
